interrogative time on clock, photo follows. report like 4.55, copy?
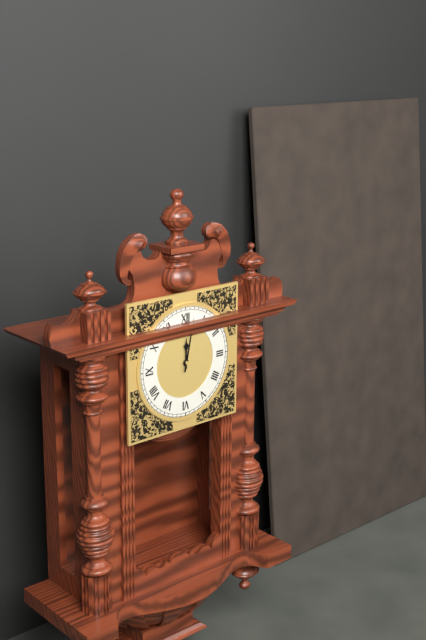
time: 12.02
